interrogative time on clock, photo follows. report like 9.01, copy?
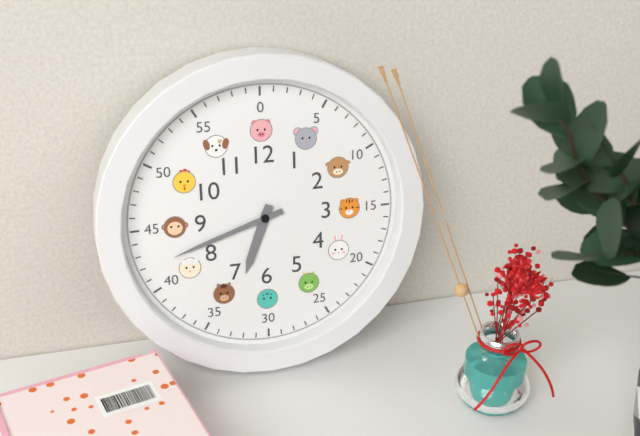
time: 6.42
